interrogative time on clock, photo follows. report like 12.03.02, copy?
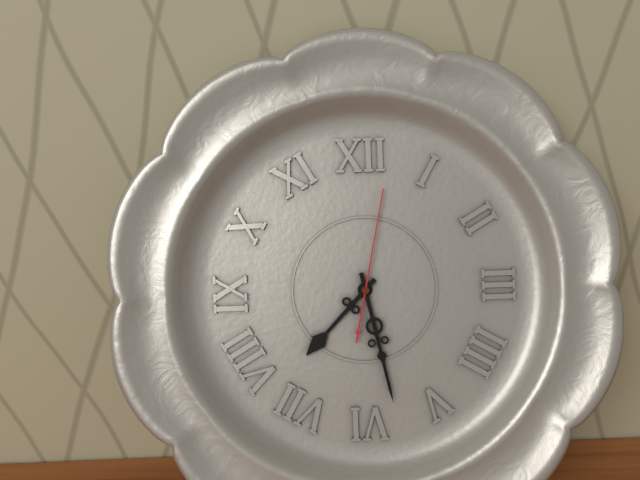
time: 7.28.02
